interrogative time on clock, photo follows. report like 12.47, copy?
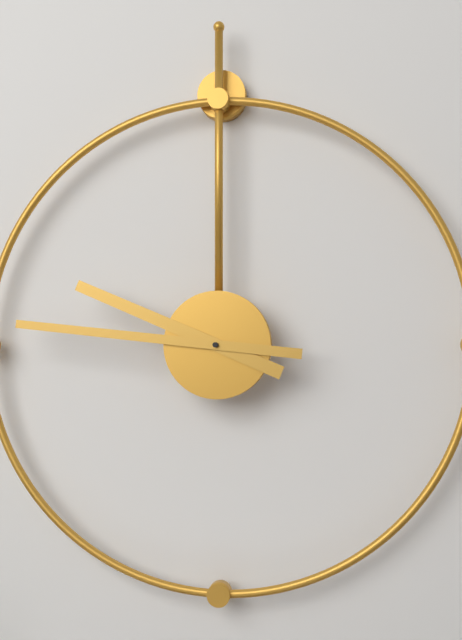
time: 9.46
